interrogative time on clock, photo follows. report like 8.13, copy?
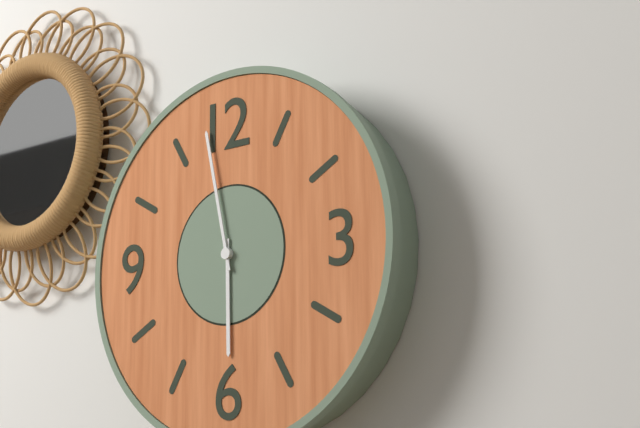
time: 5.58
